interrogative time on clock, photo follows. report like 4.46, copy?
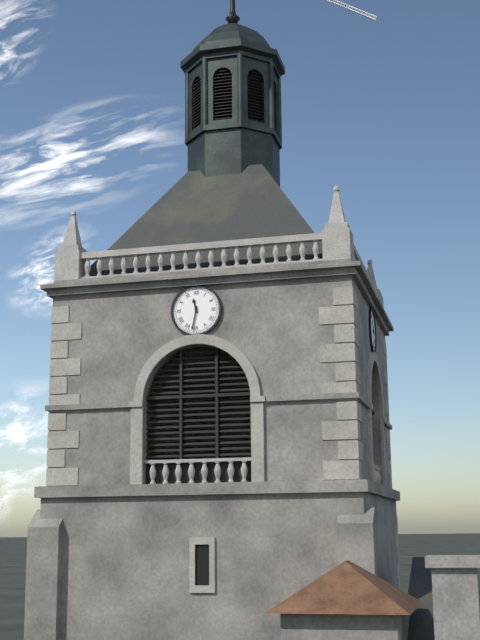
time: 11.32
